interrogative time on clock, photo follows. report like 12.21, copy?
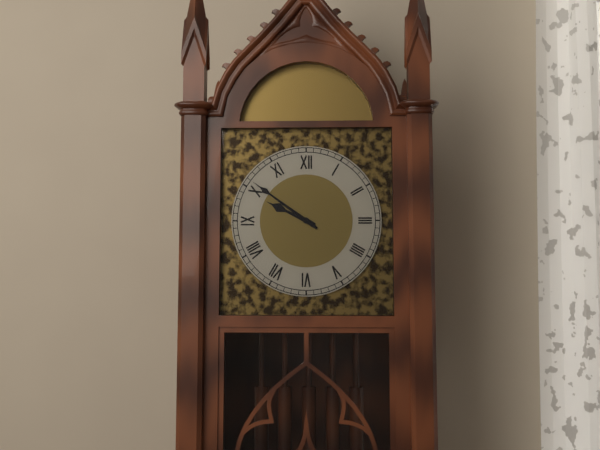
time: 9.51
